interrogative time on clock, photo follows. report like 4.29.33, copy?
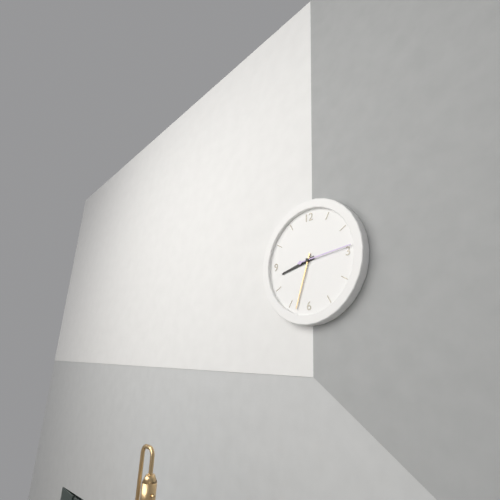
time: 8.33.14
